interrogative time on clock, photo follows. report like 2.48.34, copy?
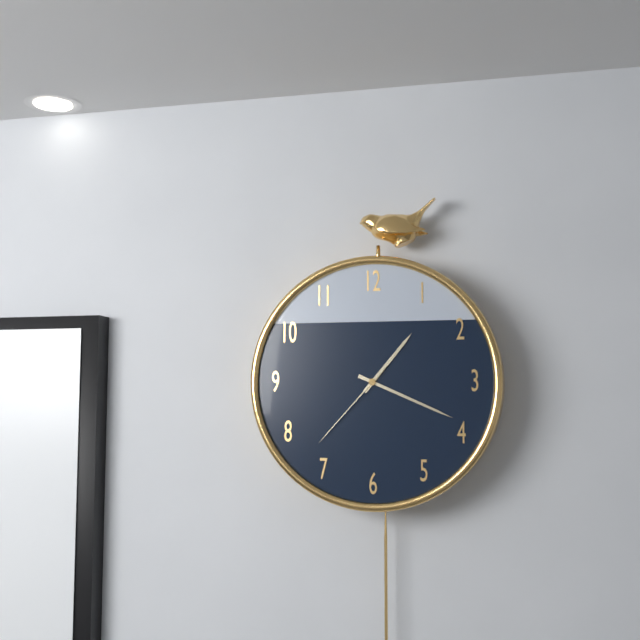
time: 1.19.37
